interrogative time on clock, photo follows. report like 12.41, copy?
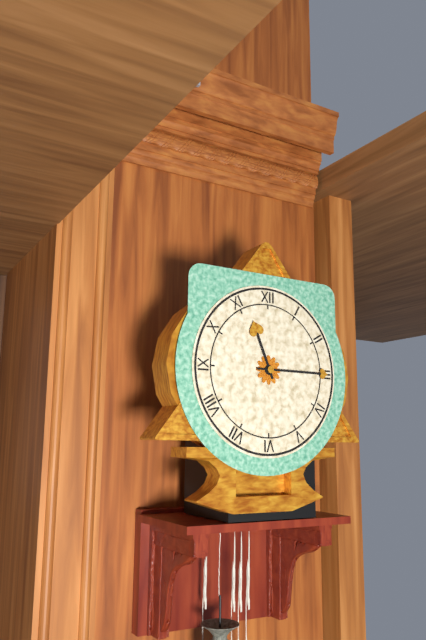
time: 11.15
